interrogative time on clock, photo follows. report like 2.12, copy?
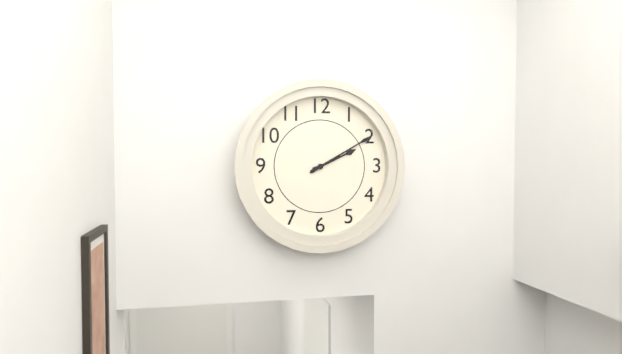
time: 2.10
